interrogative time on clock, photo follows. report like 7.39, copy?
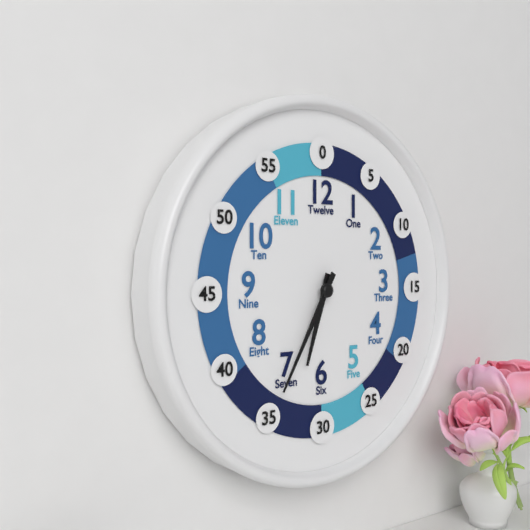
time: 6.35
